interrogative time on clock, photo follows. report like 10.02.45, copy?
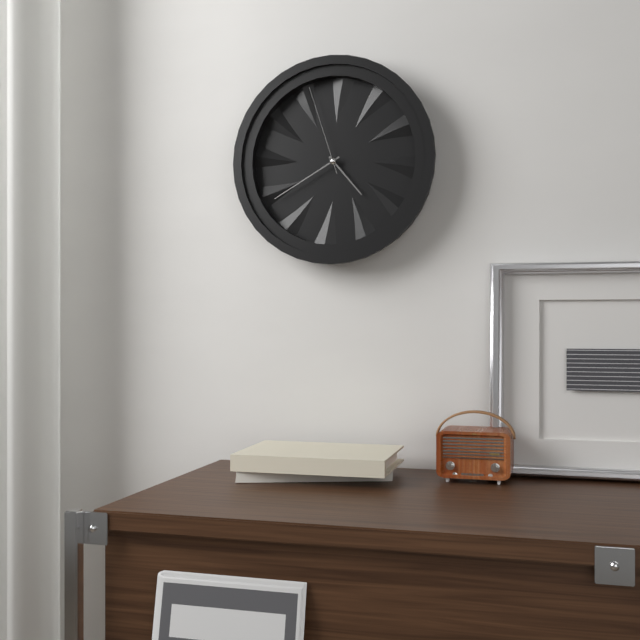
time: 4.40.57
